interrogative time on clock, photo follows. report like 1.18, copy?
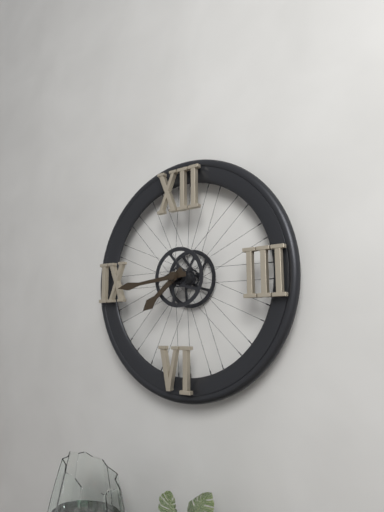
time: 7.44
